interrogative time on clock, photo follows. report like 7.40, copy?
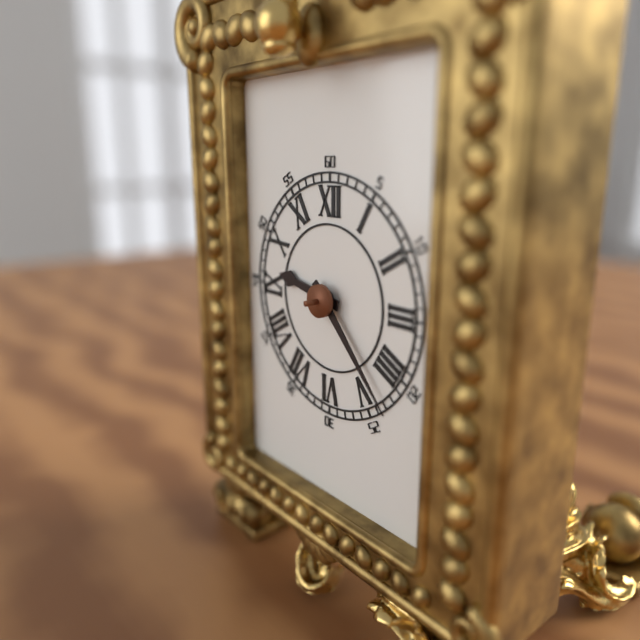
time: 9.23
